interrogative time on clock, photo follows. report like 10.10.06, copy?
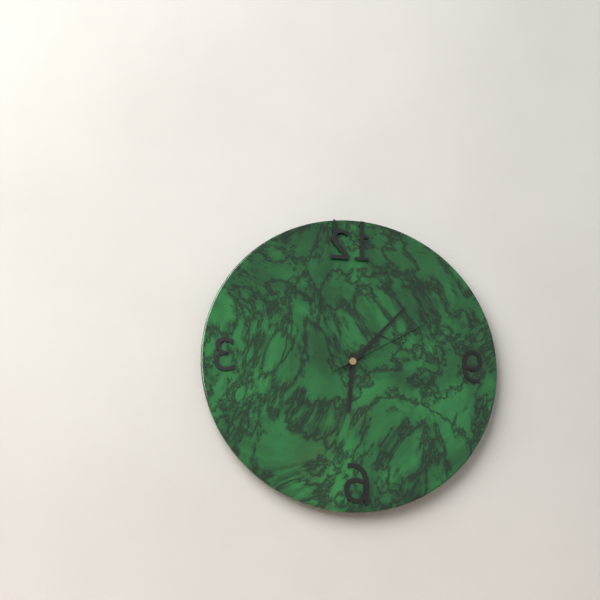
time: 6.07.10
